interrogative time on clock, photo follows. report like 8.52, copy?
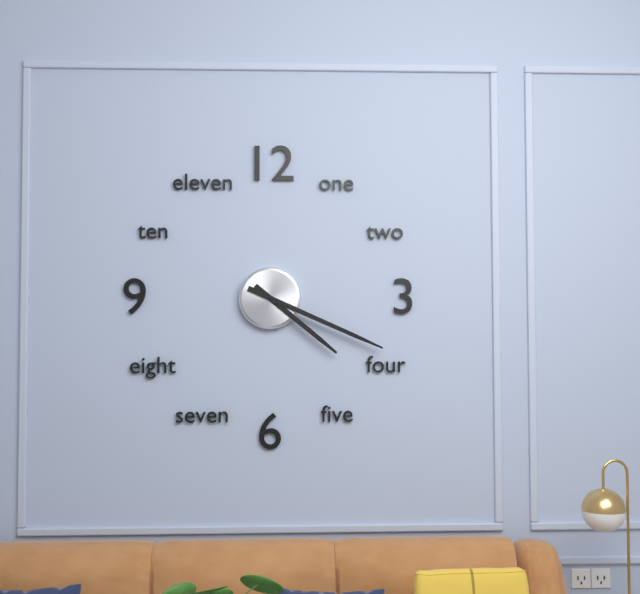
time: 4.19
